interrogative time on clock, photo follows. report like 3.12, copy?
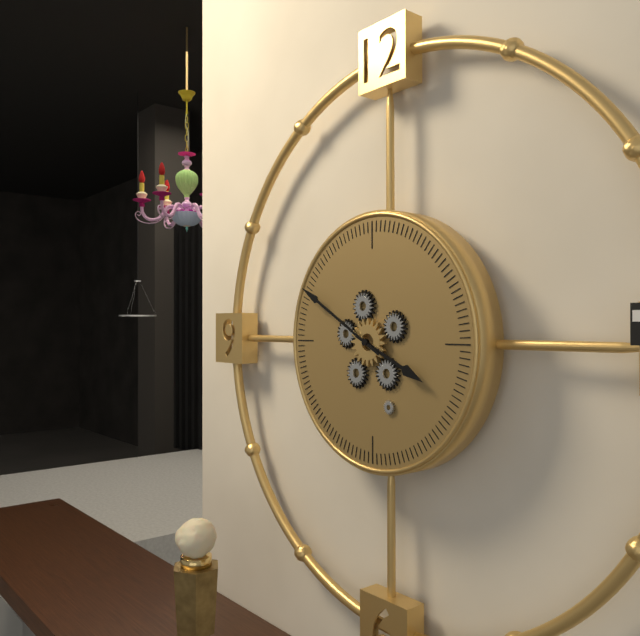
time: 3.50
